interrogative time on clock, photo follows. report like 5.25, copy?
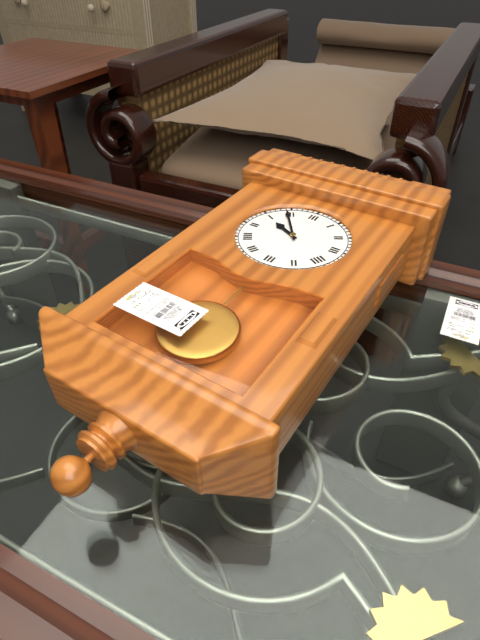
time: 9.54
